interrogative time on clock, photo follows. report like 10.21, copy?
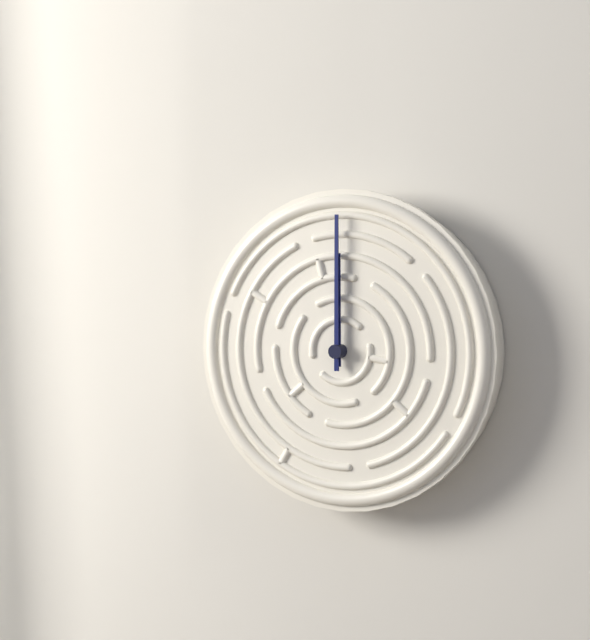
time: 12.00
